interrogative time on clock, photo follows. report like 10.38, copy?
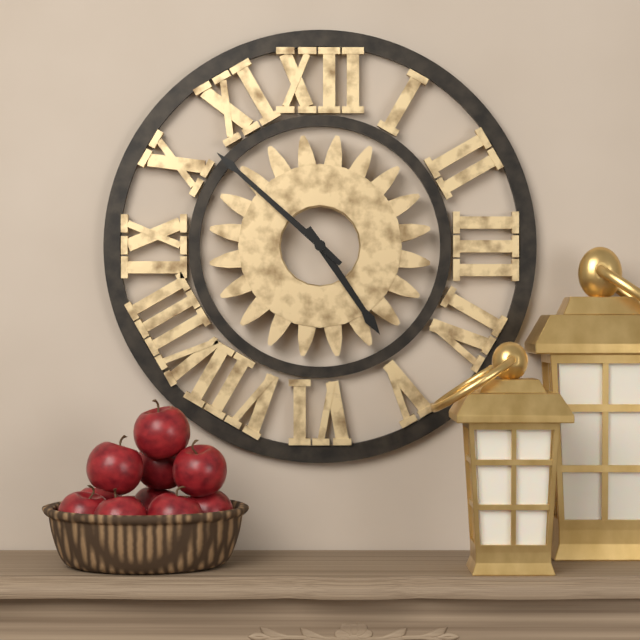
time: 4.52
